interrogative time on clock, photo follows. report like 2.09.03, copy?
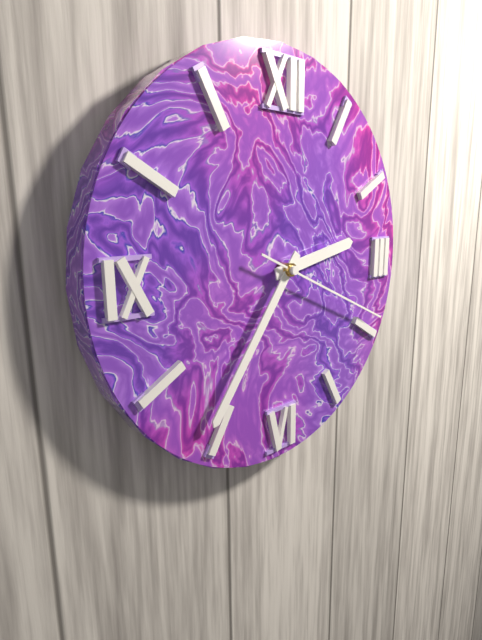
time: 2.36.19
